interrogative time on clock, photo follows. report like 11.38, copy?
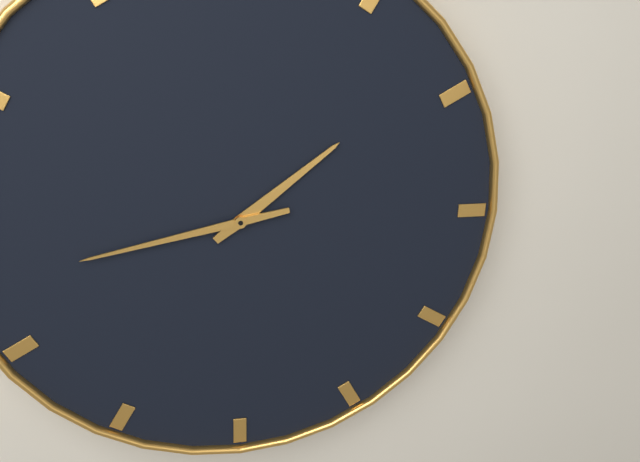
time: 1.43
